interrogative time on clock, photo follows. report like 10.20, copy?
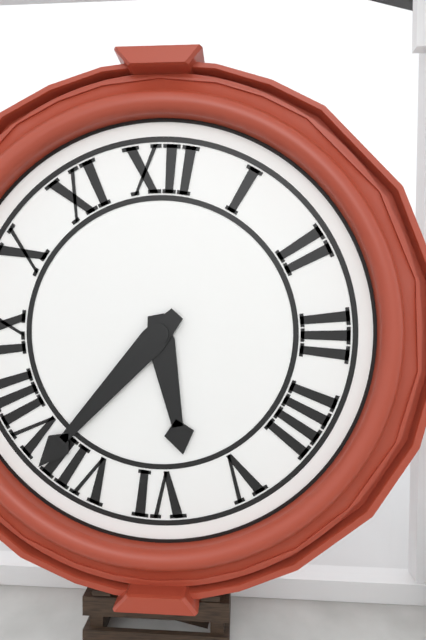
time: 5.37
